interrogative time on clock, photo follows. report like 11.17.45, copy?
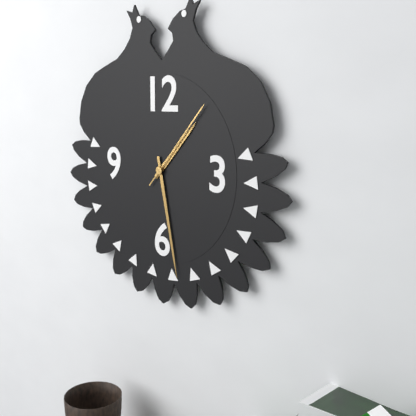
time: 1.28.07
